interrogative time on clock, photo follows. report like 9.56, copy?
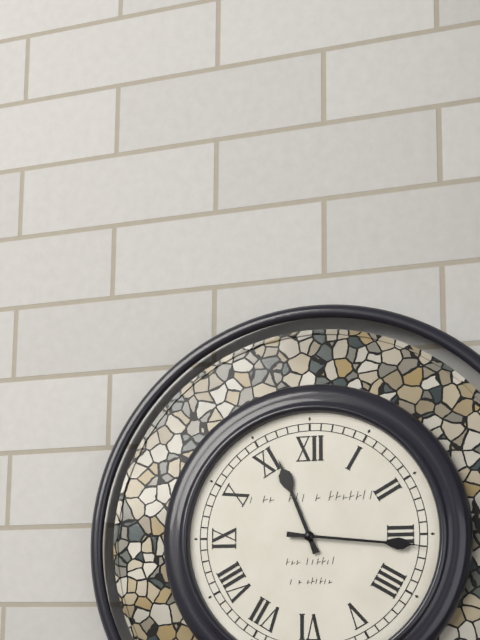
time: 11.16
